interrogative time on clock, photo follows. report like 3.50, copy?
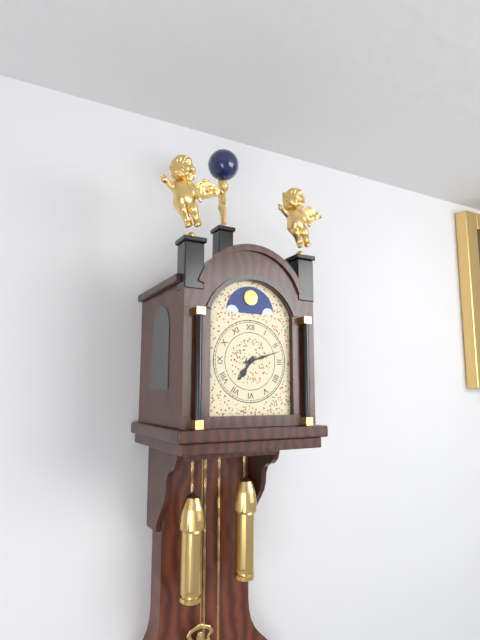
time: 7.12
